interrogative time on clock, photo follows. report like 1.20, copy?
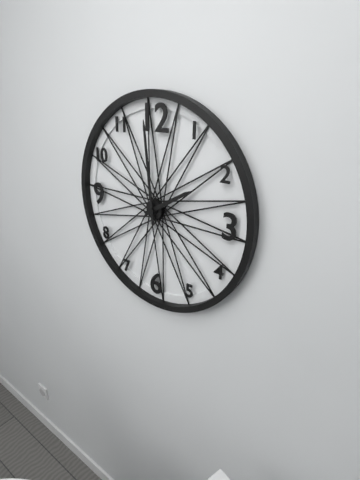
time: 1.59
